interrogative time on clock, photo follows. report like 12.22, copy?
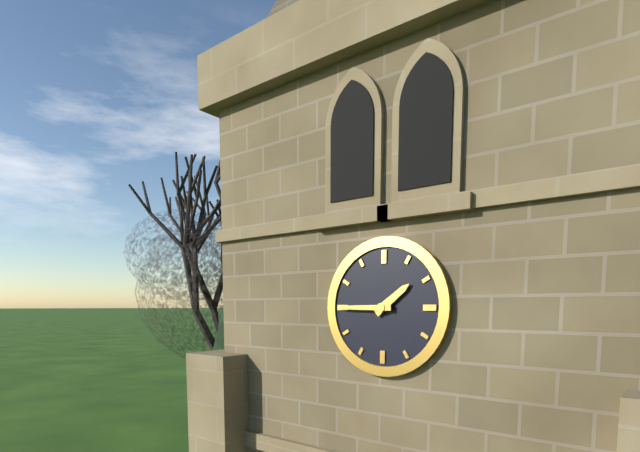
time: 1.45
